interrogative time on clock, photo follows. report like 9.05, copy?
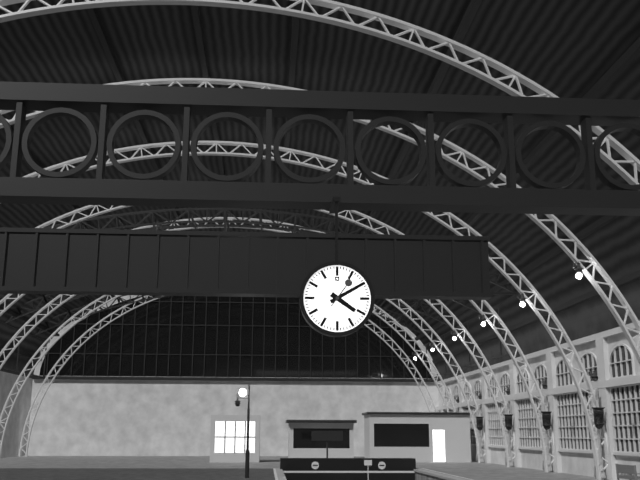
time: 4.10
